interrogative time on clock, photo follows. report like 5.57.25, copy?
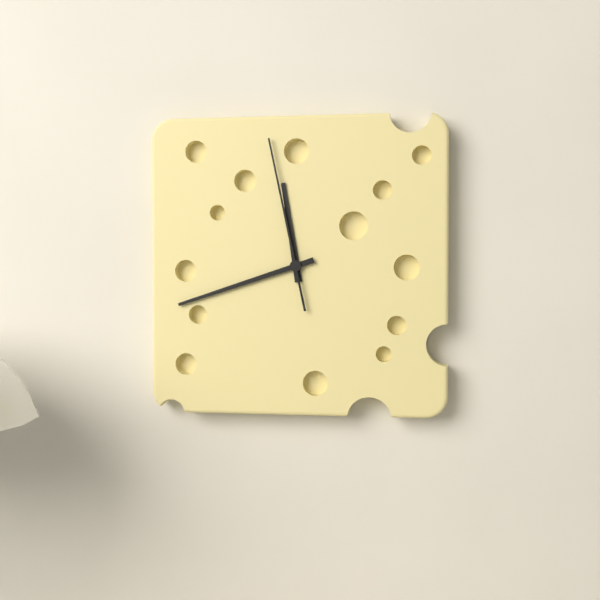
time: 11.42.58
